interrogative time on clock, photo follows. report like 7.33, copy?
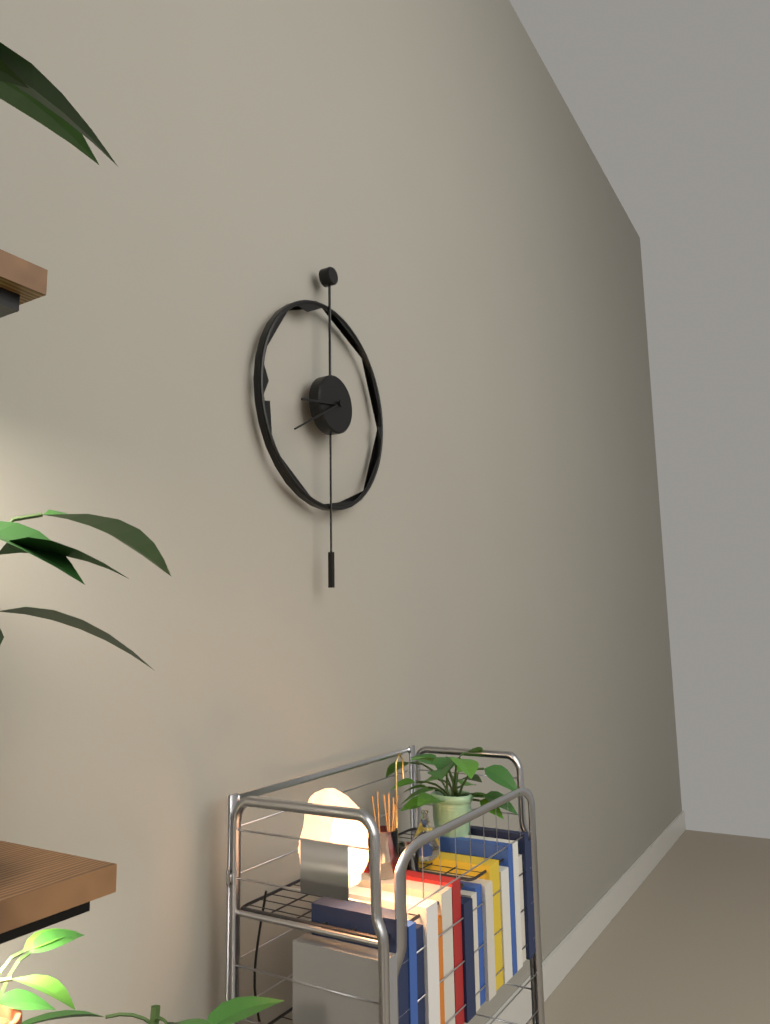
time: 8.40
